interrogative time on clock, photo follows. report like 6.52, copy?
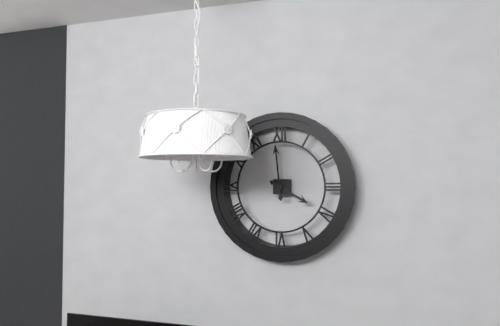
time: 3.59
